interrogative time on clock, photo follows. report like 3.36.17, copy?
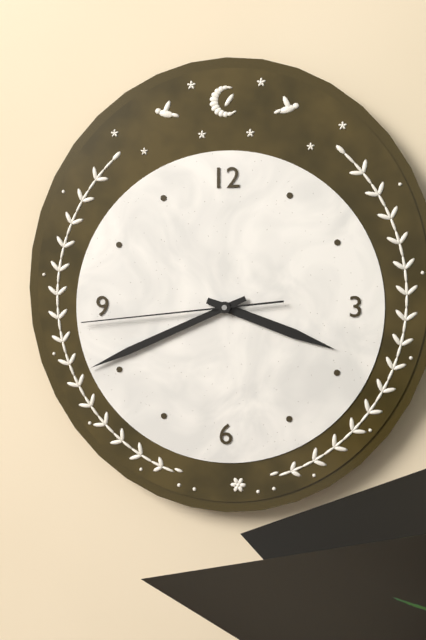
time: 3.41.44
